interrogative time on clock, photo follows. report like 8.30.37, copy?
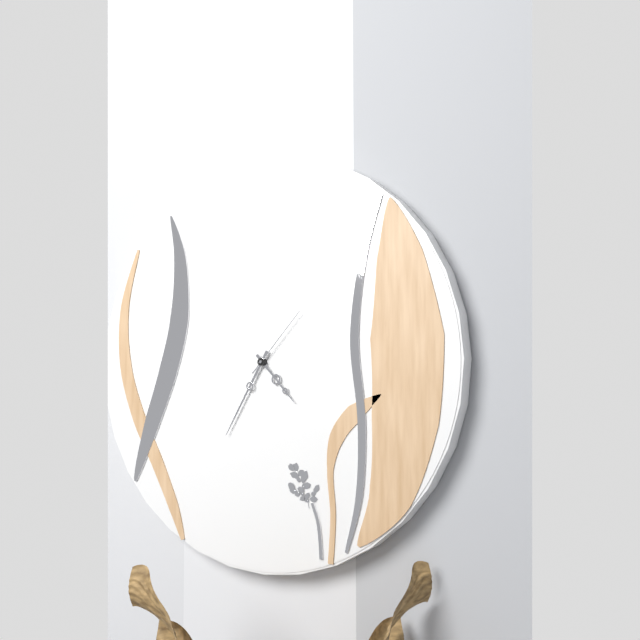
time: 4.35.07
